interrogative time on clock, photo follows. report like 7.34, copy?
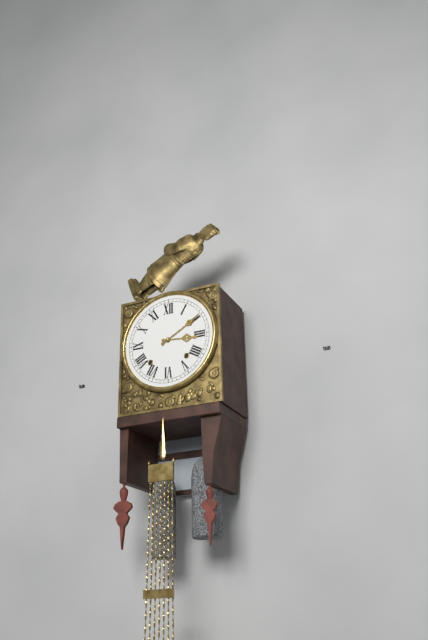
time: 3.10
